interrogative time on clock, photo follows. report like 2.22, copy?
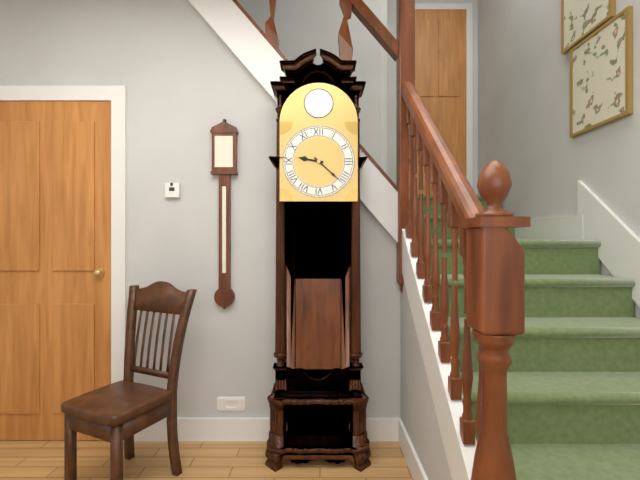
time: 9.22
